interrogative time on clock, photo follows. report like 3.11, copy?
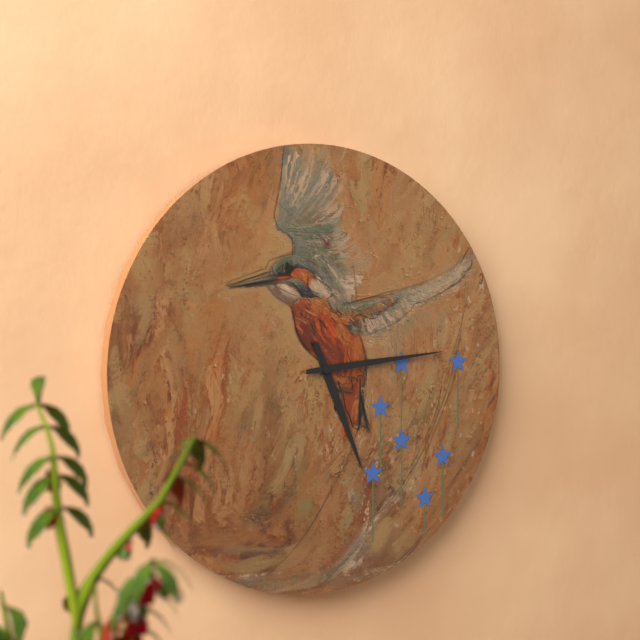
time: 5.14
